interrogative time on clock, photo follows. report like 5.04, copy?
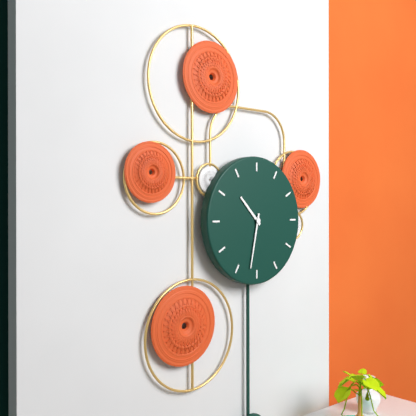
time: 10.32
